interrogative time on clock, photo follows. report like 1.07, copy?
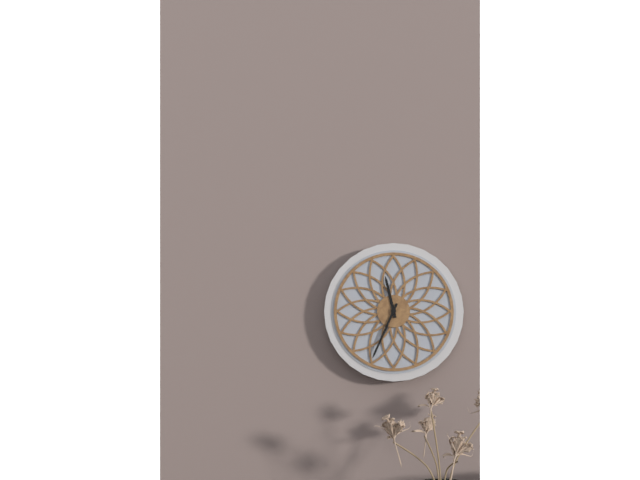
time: 11.34
